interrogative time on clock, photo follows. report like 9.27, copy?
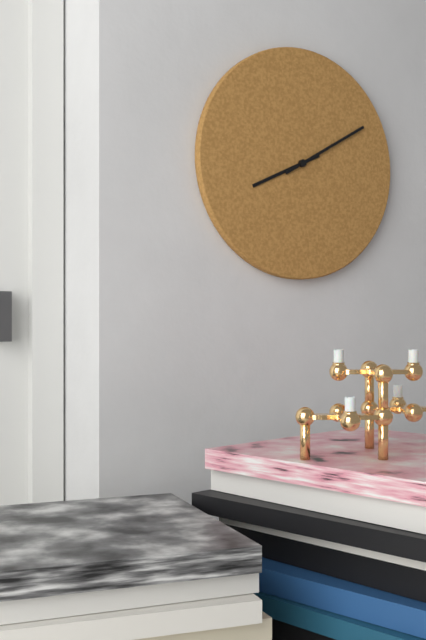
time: 8.10
